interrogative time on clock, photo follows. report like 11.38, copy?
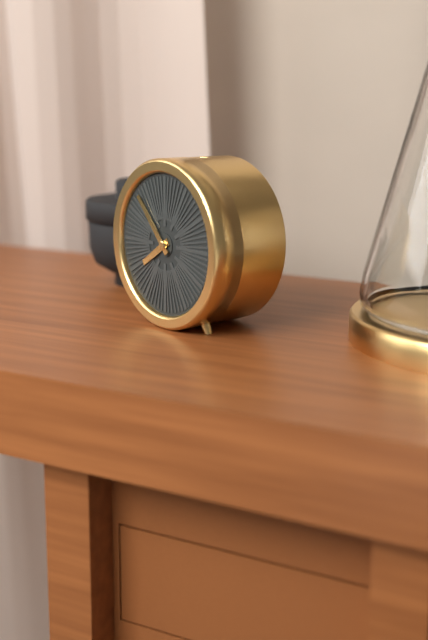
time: 7.53
